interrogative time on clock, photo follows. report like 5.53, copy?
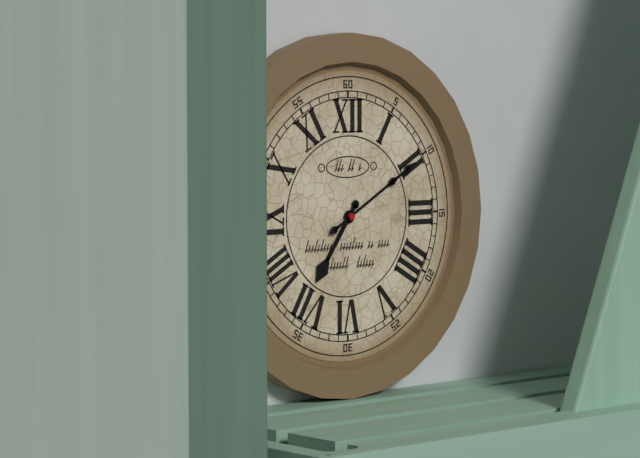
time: 7.10
